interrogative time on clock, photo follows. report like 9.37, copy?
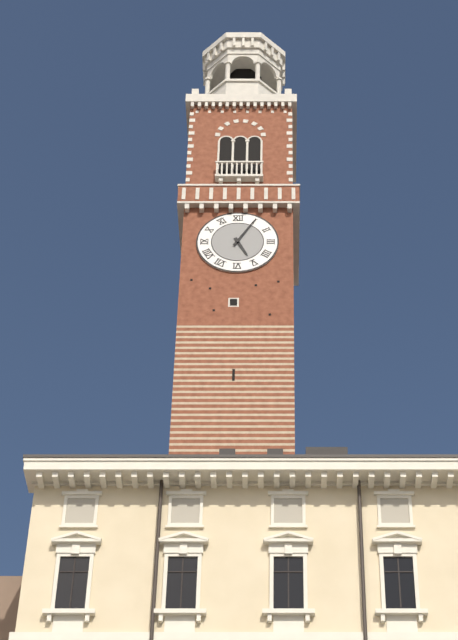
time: 5.05
